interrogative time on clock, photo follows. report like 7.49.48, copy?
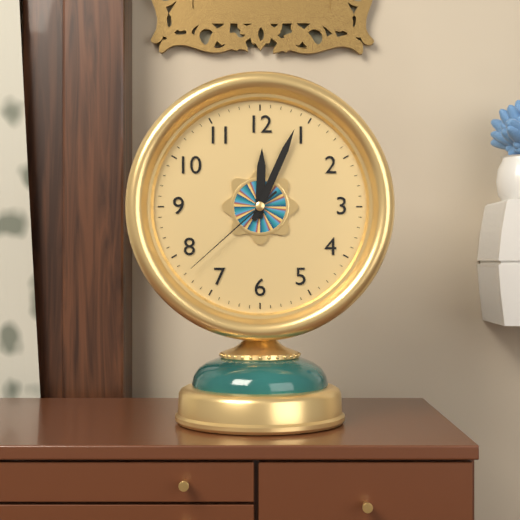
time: 12.04.38
